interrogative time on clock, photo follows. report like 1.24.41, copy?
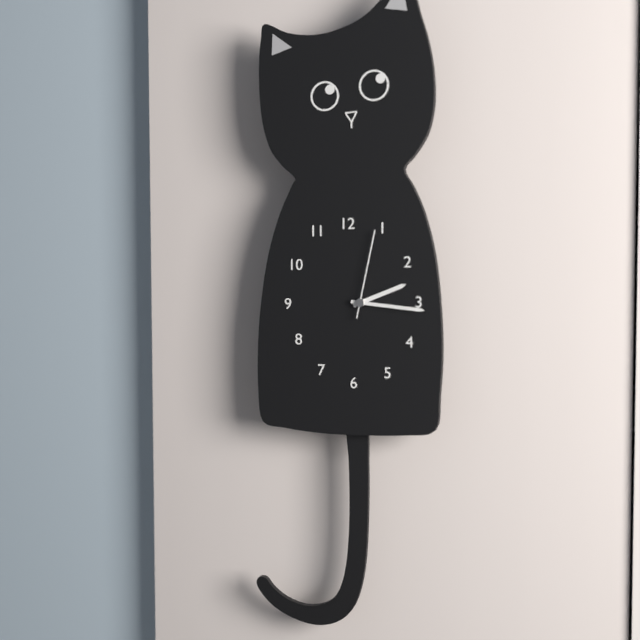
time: 2.16.02
